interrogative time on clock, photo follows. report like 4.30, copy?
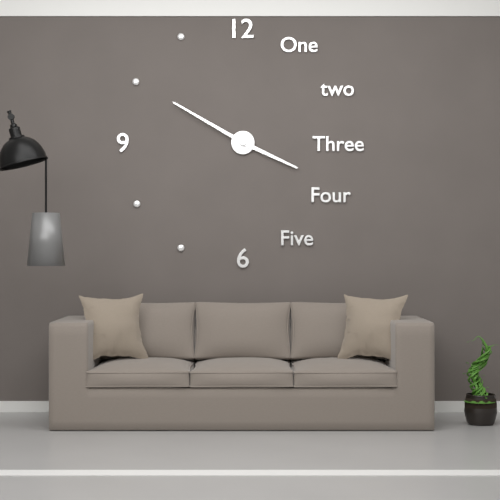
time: 3.50
